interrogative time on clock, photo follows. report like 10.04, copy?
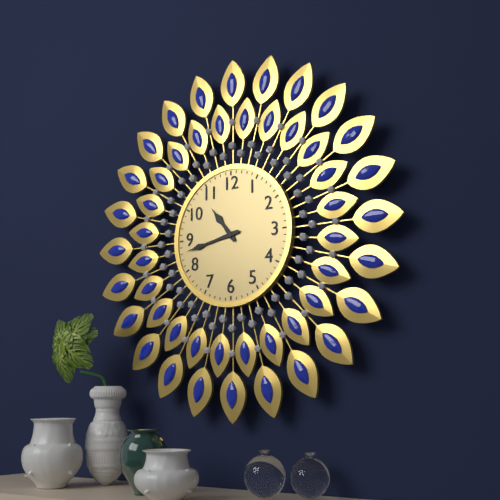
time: 10.43
